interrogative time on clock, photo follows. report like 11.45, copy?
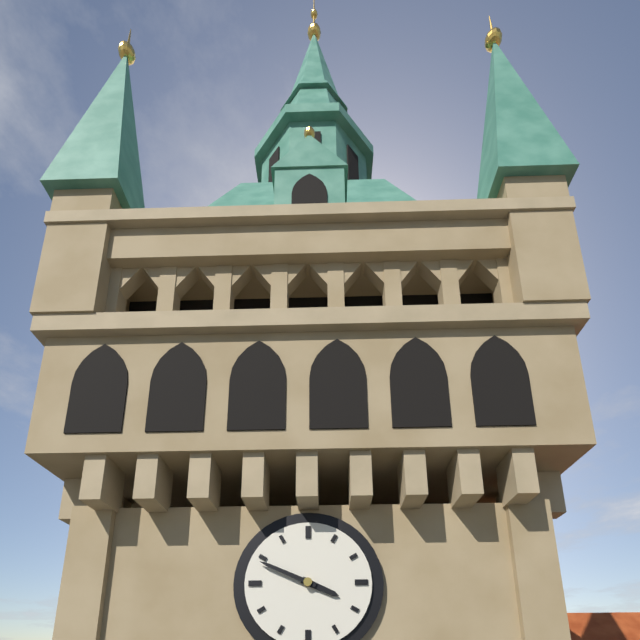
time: 3.49
